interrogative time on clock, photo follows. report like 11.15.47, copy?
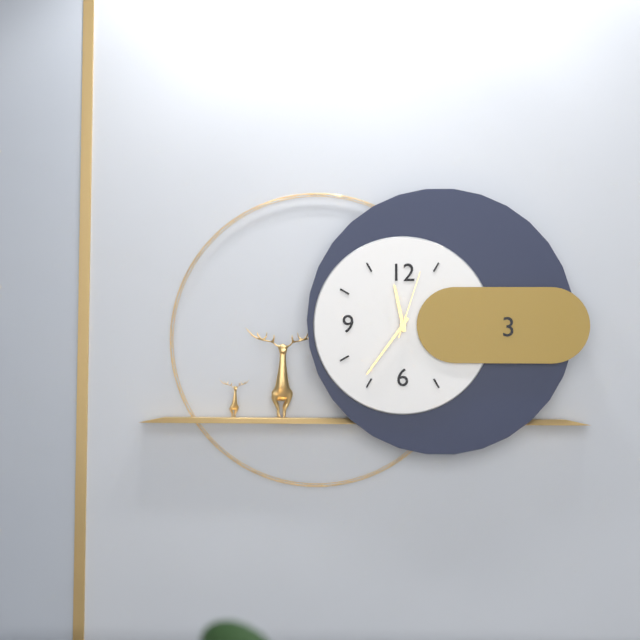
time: 11.36.03
